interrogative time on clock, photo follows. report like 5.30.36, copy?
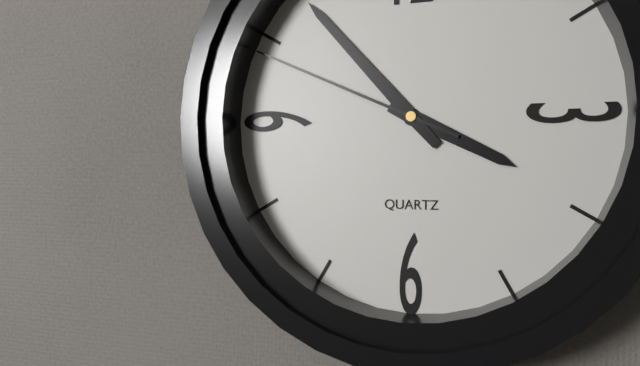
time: 3.53.49
